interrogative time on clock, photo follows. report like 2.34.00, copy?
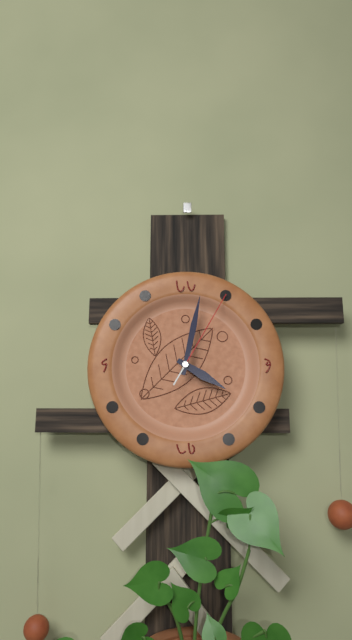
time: 4.02.05
